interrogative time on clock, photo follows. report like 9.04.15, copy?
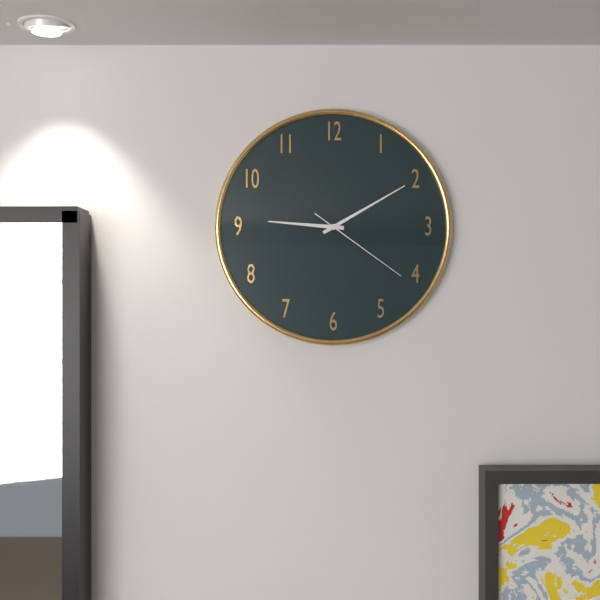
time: 9.10.21
